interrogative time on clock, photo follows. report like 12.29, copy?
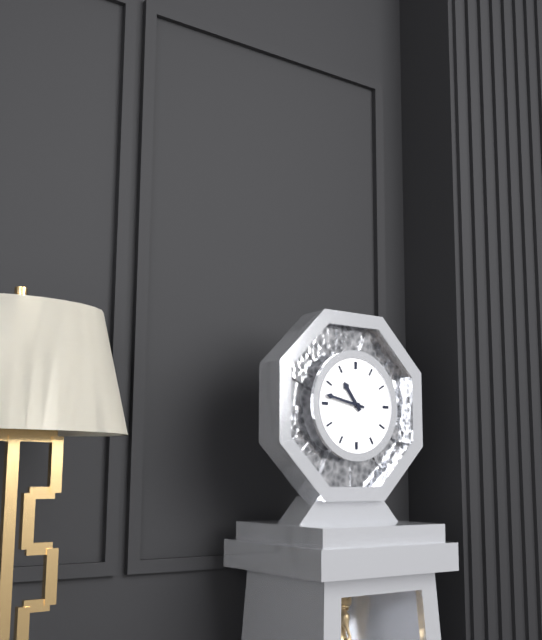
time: 10.47
